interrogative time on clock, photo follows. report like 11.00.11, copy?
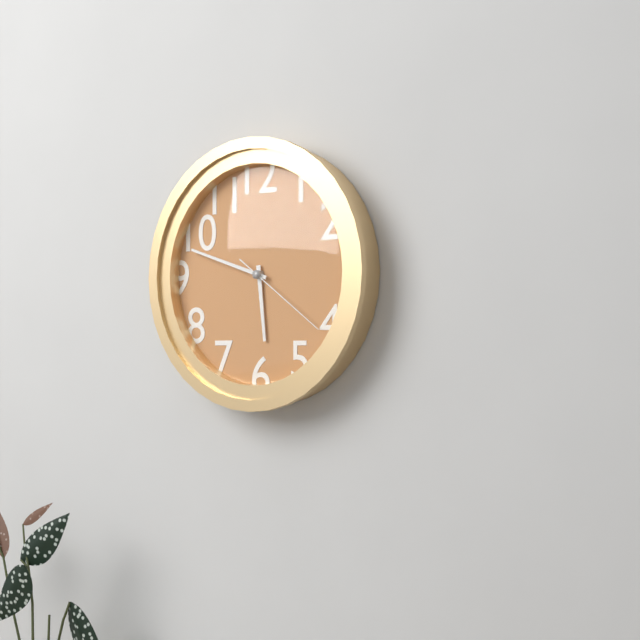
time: 5.48.21
